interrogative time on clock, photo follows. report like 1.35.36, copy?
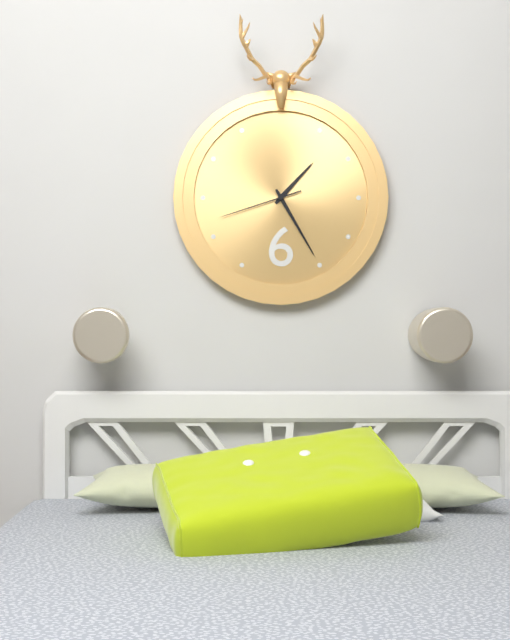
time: 1.25.42
